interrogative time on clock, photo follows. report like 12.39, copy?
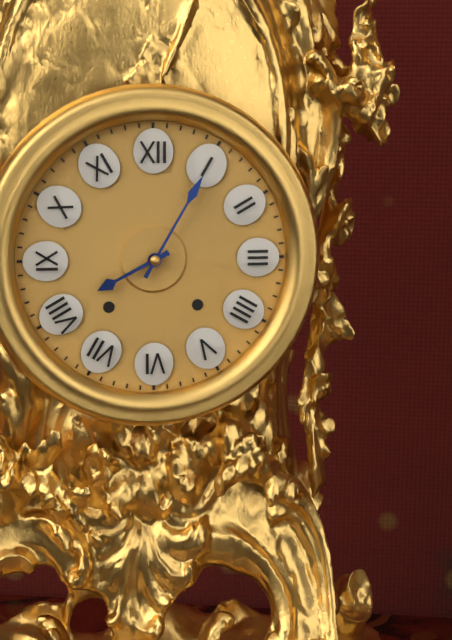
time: 8.05
